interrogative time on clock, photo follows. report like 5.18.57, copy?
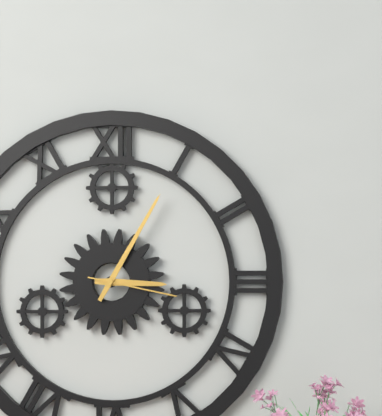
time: 3.05.17
